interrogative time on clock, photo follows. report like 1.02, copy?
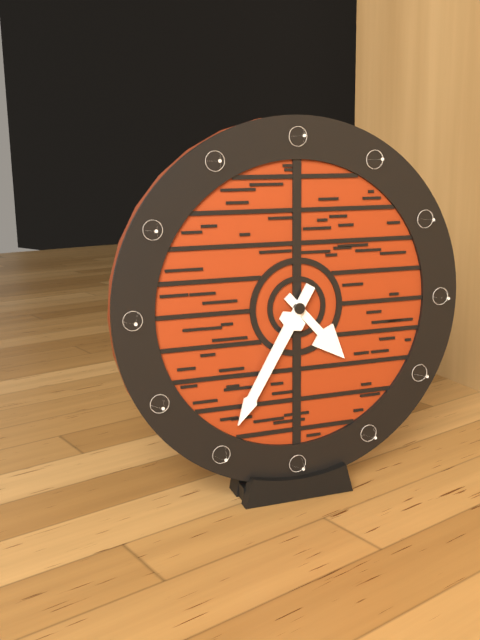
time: 4.35
